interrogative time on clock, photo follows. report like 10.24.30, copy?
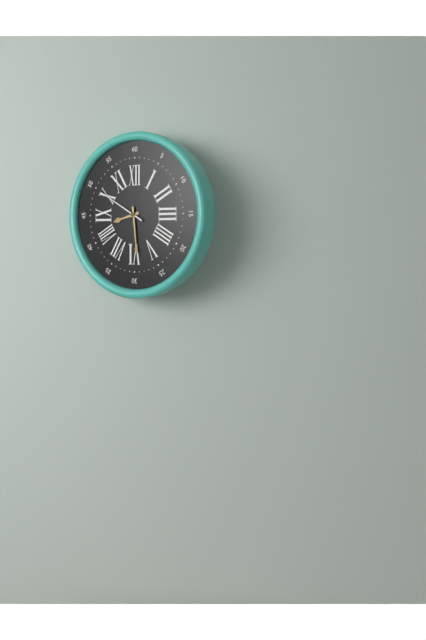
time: 8.29.50
